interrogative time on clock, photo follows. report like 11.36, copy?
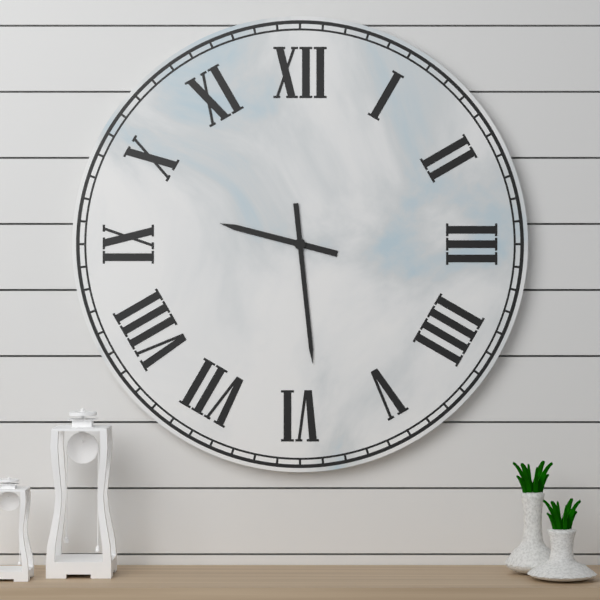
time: 9.29
